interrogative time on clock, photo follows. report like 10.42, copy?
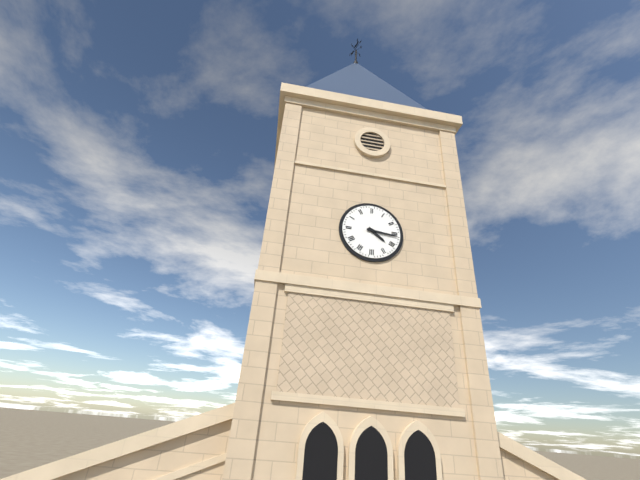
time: 4.16
